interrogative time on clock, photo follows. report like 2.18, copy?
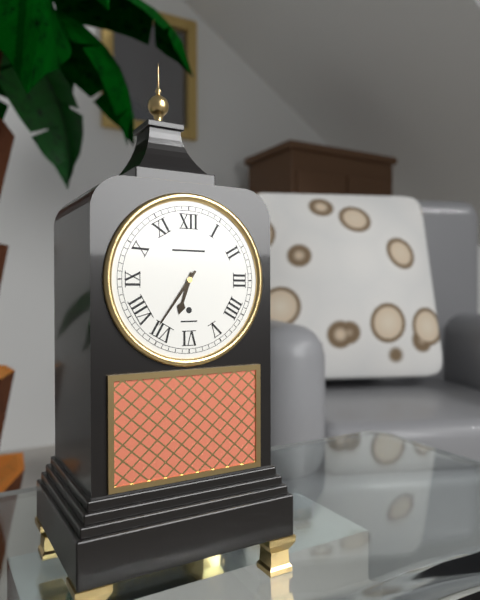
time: 6.36
